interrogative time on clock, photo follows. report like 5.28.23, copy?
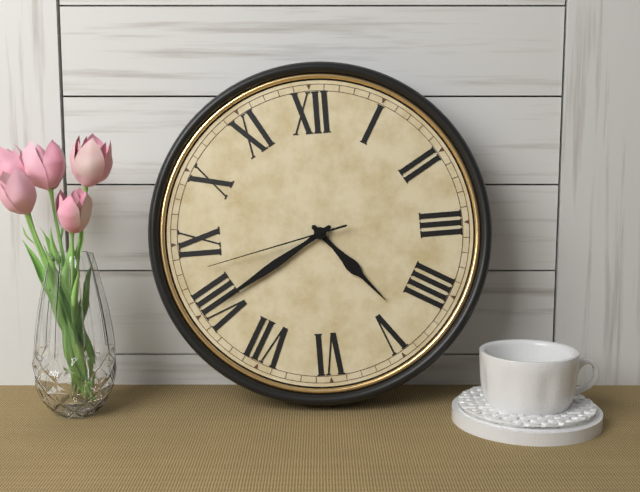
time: 4.40.43
